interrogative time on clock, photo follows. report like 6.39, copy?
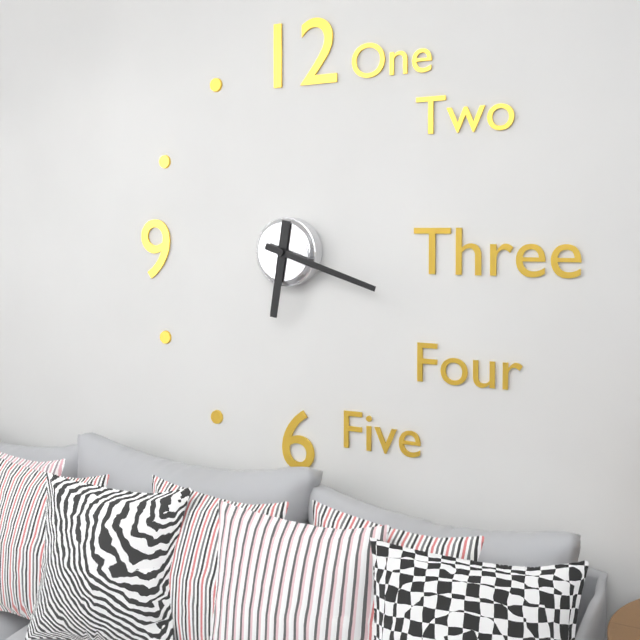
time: 6.18
